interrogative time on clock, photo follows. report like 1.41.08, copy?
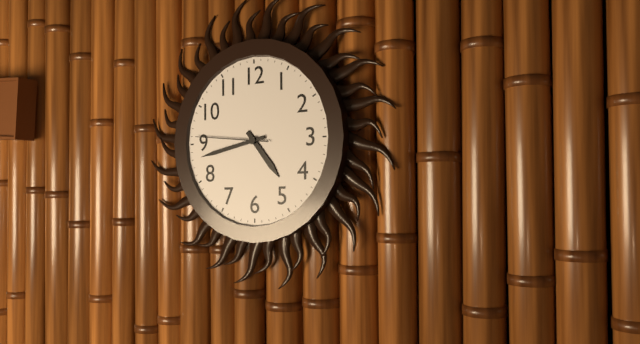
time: 4.43.46
